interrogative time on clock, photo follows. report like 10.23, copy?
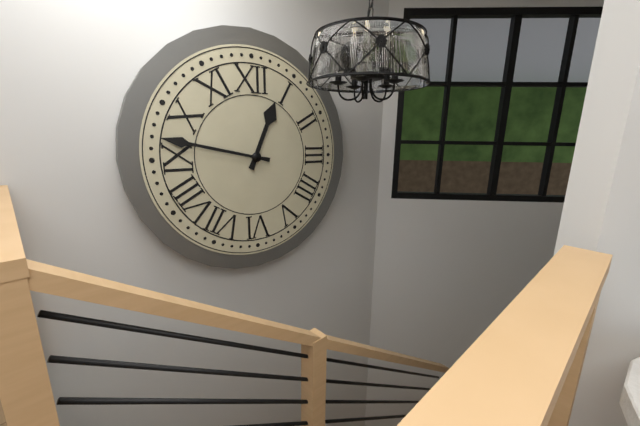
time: 12.47
